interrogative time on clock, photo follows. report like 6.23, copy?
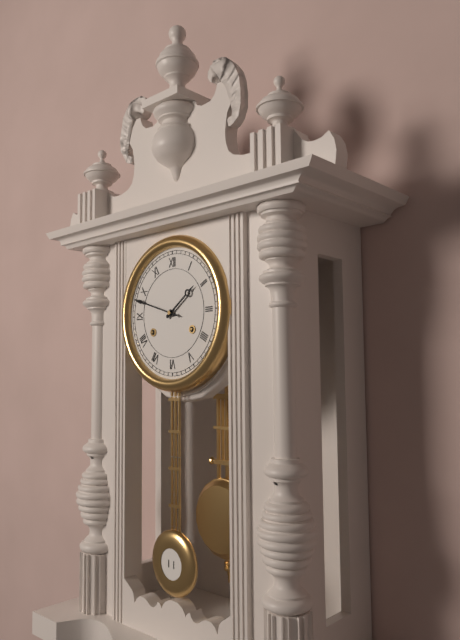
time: 1.48
